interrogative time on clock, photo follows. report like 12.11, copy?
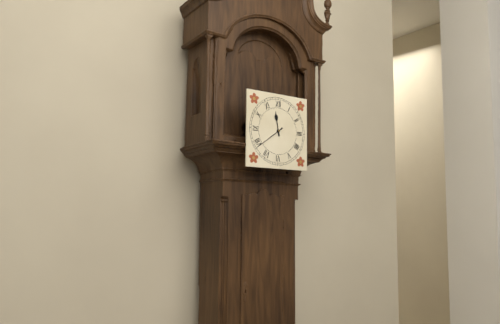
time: 11.39
